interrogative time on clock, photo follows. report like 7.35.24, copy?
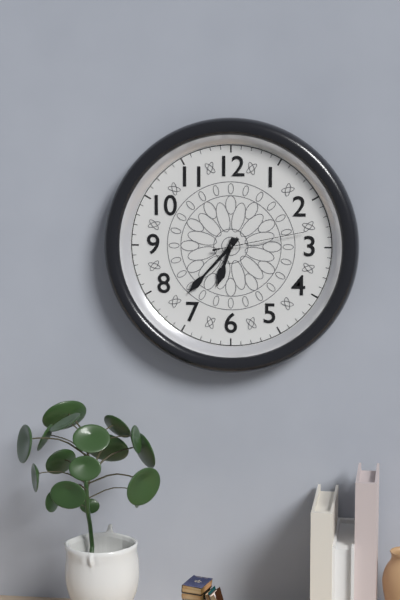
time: 6.37.13
